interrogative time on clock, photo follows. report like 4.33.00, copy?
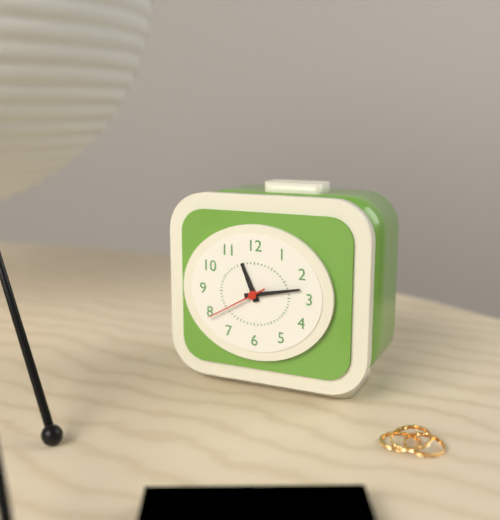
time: 11.13.40
